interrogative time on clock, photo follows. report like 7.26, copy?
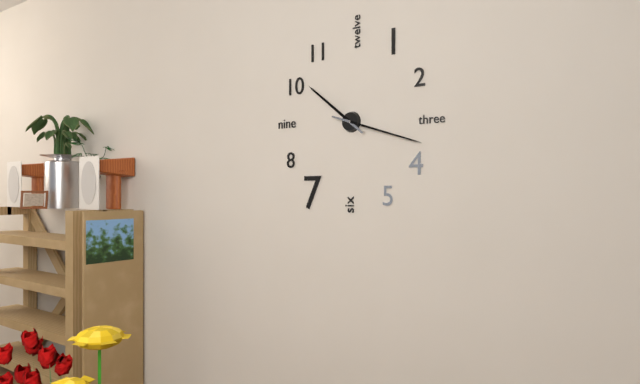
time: 10.18
